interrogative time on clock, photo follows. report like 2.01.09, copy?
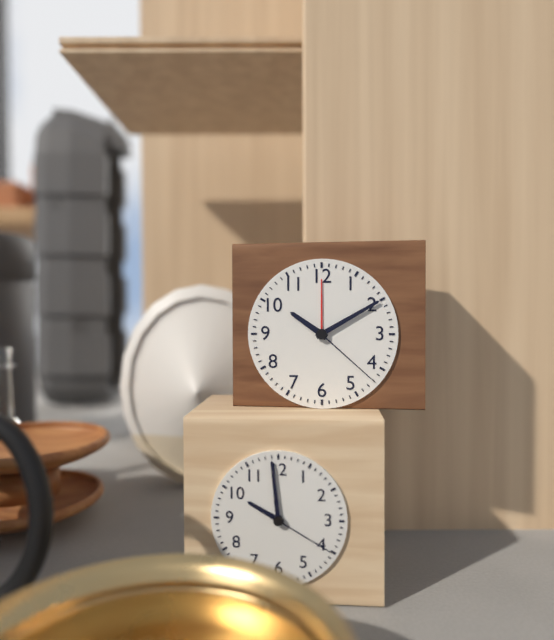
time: 10.10.22
